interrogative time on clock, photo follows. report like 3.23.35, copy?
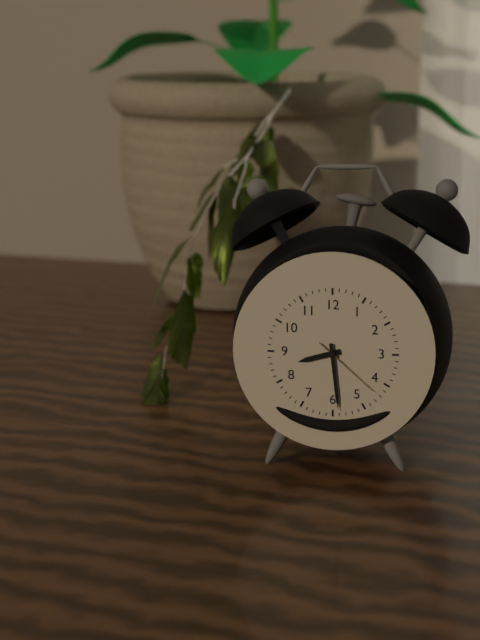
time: 8.29.22
